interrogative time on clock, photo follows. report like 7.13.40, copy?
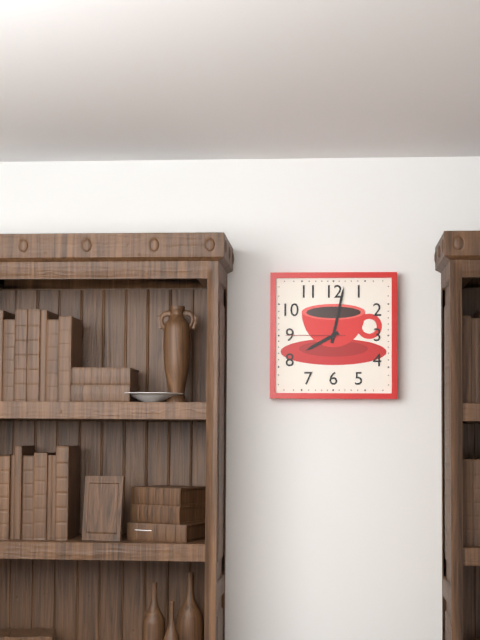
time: 8.02.45
